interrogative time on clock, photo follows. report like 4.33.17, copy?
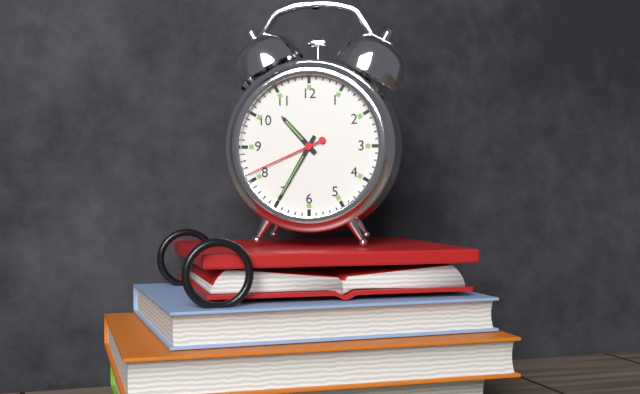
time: 10.35.41
